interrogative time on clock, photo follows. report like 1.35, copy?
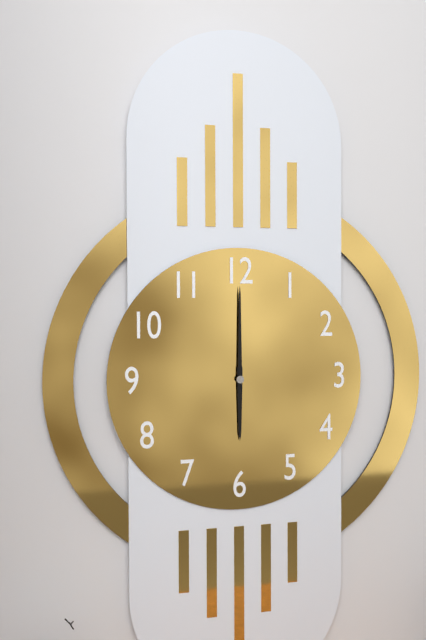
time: 6.00
